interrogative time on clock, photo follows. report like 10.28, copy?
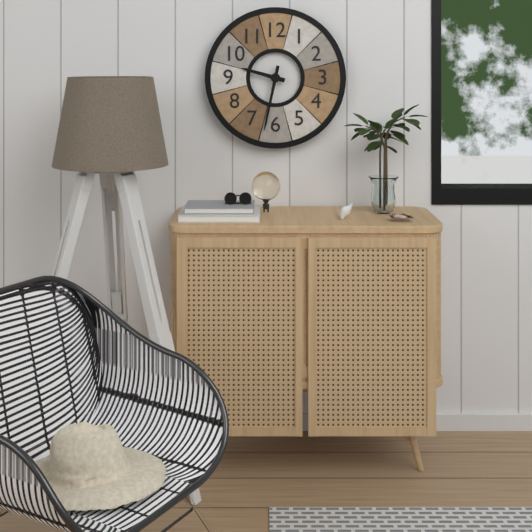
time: 9.32
